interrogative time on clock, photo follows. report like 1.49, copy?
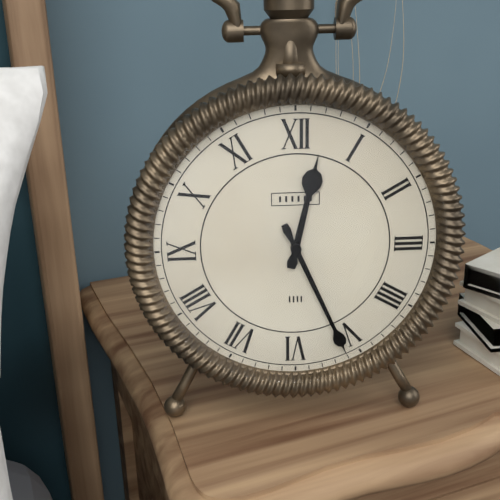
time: 12.26
